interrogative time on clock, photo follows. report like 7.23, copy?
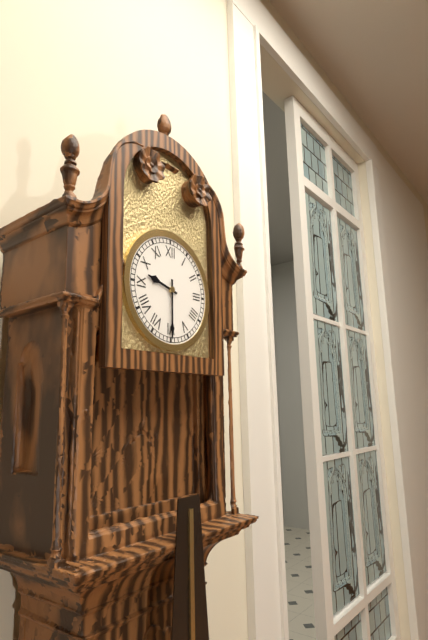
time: 9.30
